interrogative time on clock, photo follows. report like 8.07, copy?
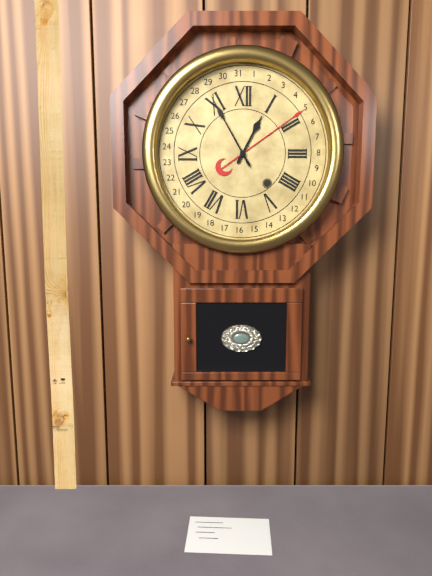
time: 12.55
